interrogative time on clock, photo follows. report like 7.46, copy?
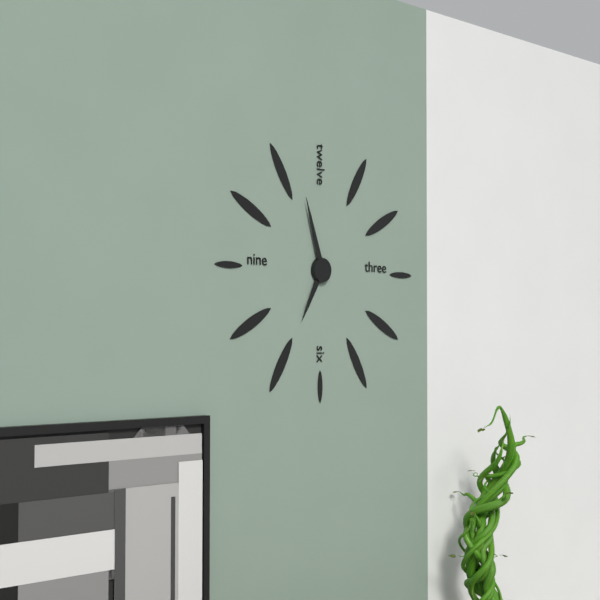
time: 6.57
